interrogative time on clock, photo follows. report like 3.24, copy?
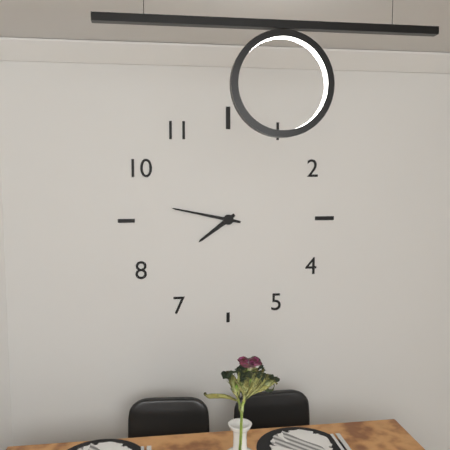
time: 7.47
